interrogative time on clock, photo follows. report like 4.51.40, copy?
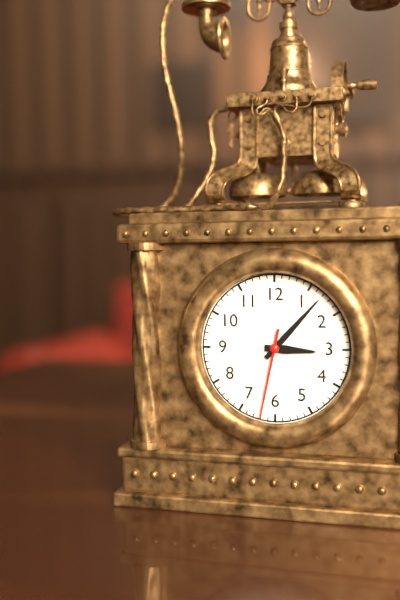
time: 3.07.32
